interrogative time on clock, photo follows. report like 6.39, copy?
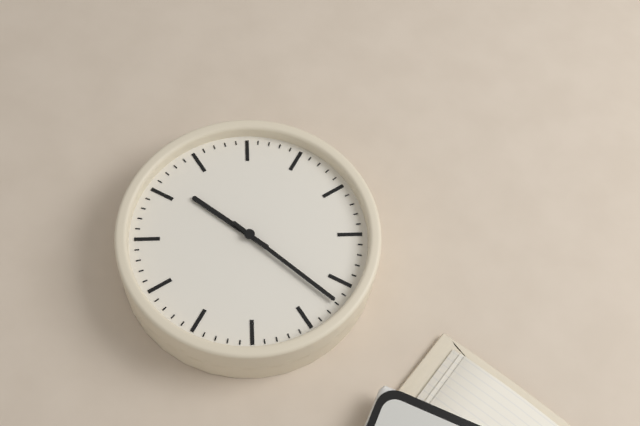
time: 9.17
